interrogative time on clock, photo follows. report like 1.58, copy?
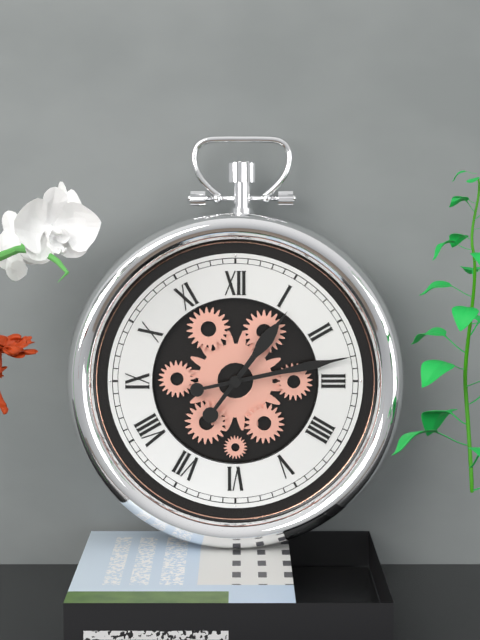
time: 1.13
